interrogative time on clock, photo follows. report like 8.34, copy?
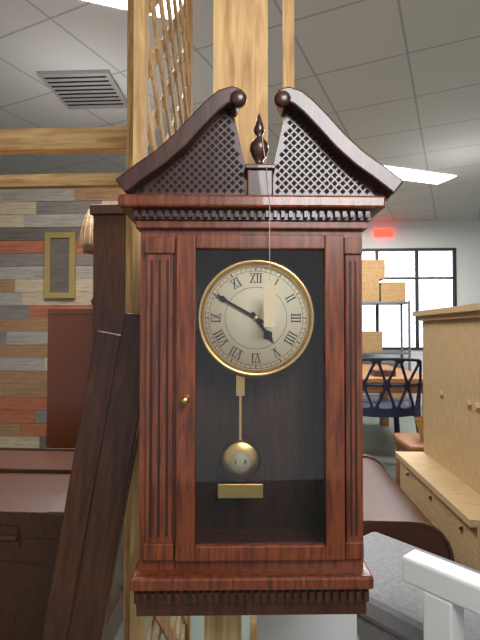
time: 4.50
